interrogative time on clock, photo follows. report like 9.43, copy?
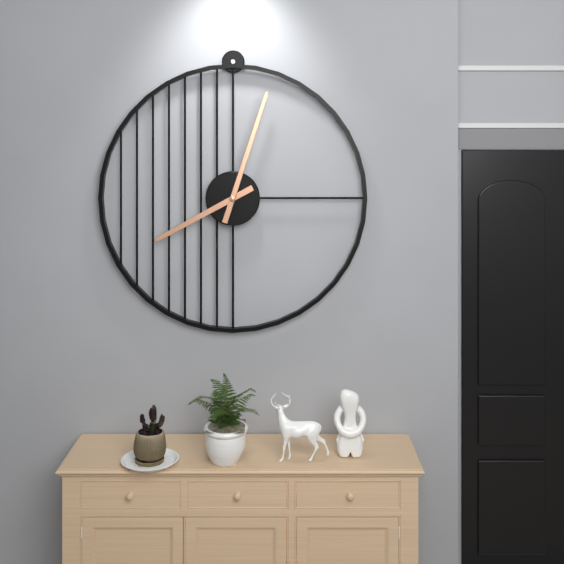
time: 8.03
